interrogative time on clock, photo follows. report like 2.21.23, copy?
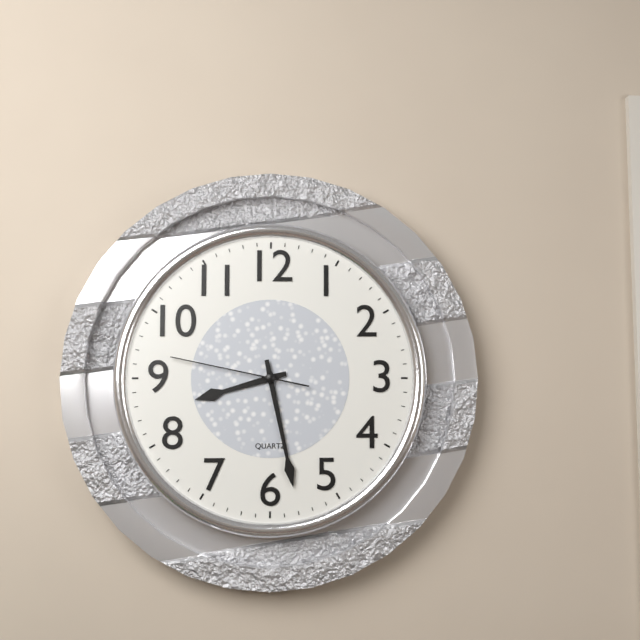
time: 8.28.47
